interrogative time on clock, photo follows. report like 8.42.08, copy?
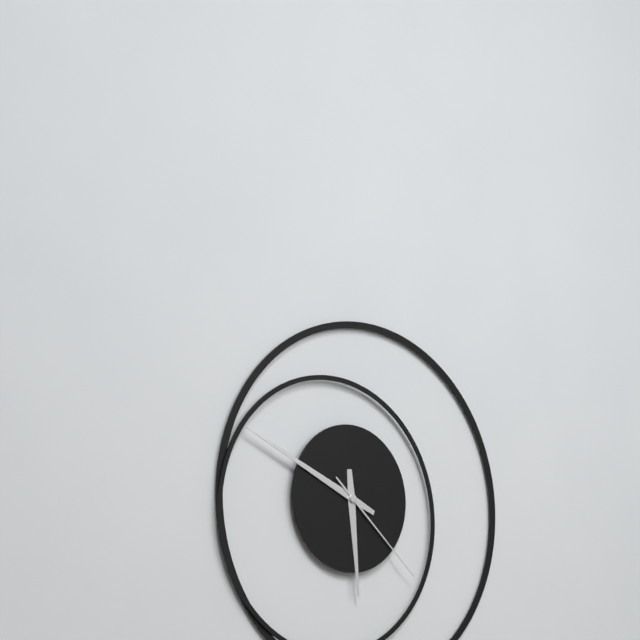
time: 5.49.22
